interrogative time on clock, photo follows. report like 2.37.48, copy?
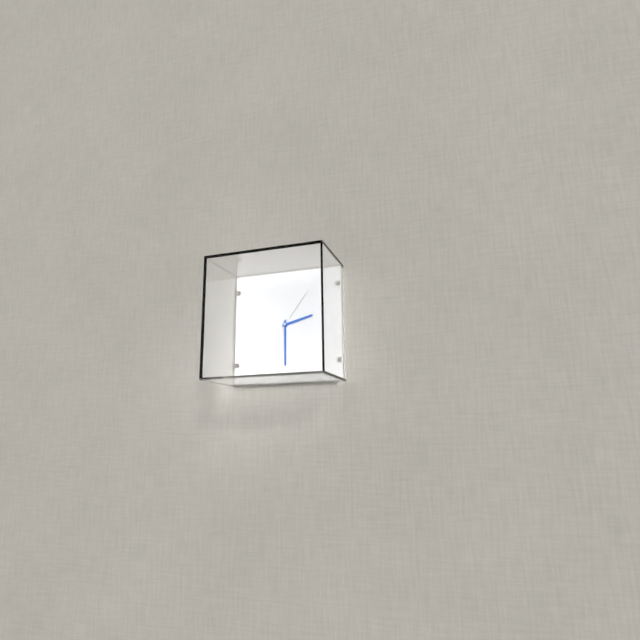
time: 2.30.06
